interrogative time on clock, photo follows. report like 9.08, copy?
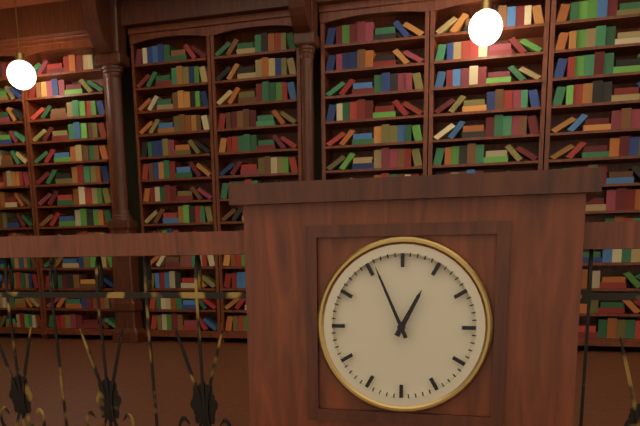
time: 12.56
